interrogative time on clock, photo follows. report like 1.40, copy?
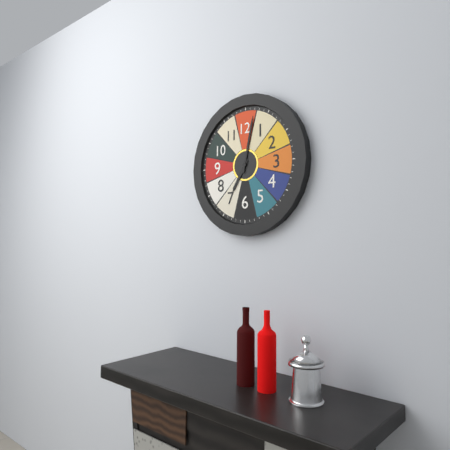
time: 7.02
